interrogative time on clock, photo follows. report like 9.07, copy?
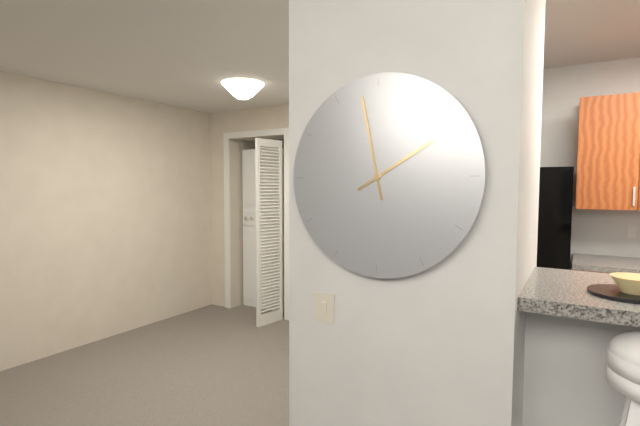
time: 1.58
